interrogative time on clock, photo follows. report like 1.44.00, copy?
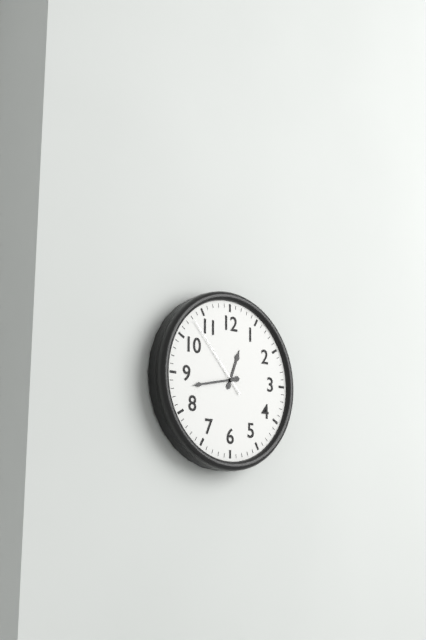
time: 12.43.53
